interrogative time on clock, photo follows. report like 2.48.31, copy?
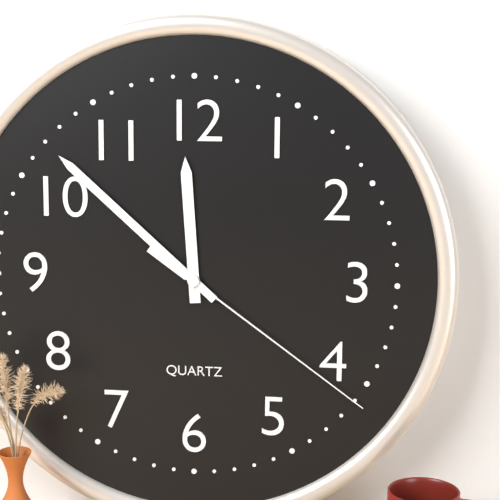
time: 11.52.21
